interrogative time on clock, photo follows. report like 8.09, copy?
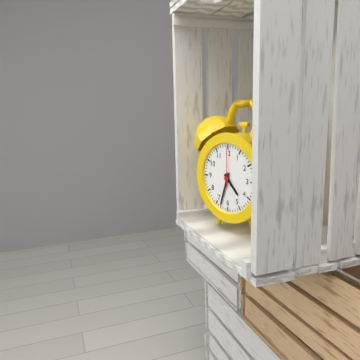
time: 4.33
